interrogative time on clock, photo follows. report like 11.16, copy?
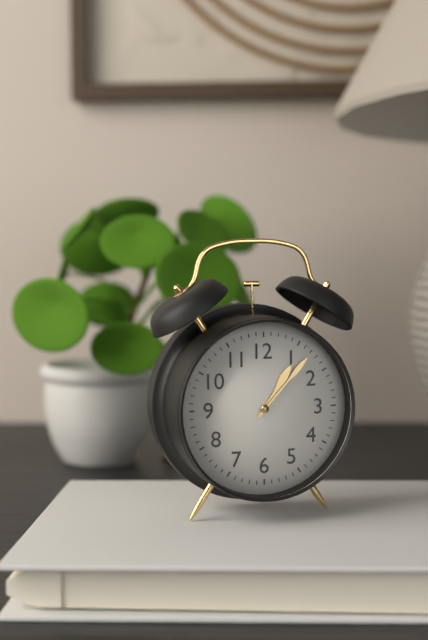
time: 1.07
